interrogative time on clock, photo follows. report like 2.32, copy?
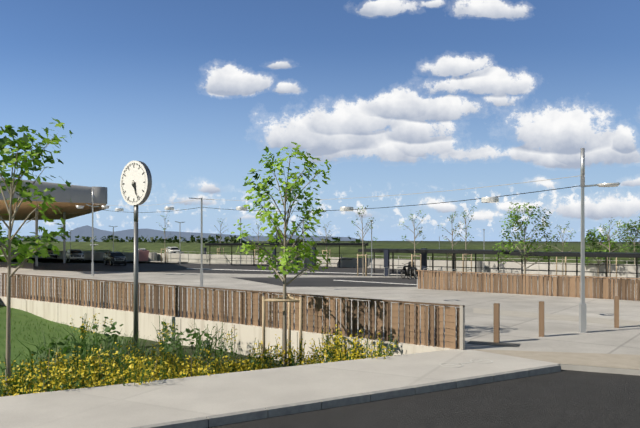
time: 5.26
